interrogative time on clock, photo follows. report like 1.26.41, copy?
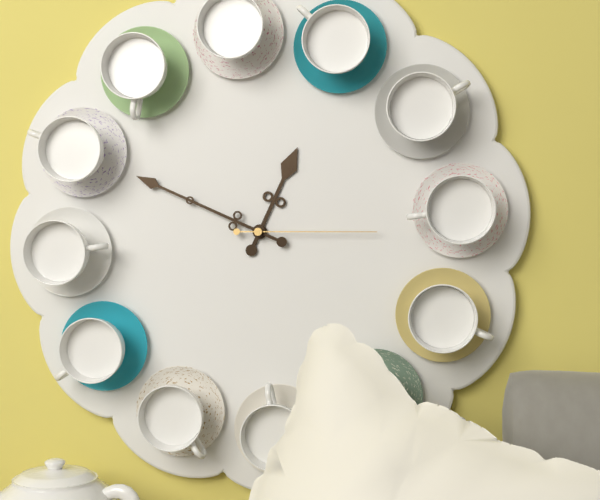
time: 12.49.15
